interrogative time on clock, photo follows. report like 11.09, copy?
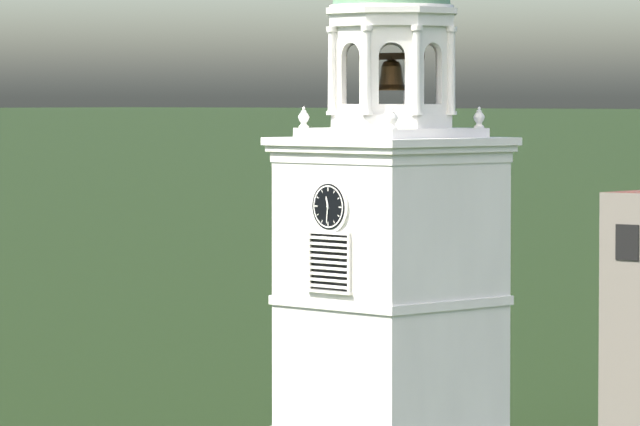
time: 11.31
